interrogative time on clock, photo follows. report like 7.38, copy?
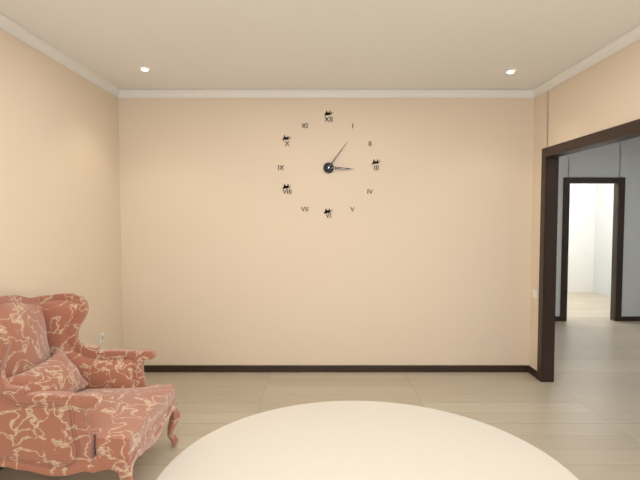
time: 3.06
